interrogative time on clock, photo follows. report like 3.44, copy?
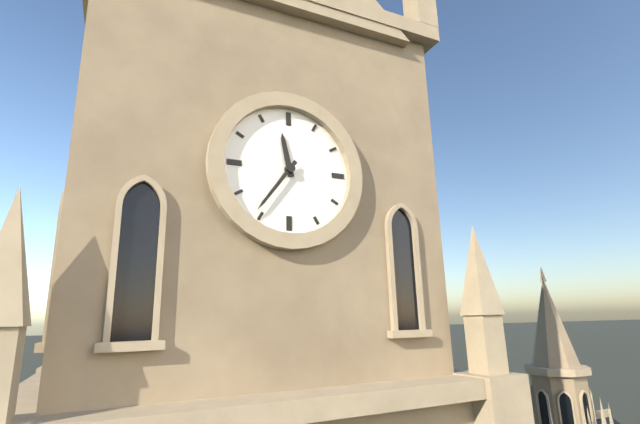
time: 11.36
